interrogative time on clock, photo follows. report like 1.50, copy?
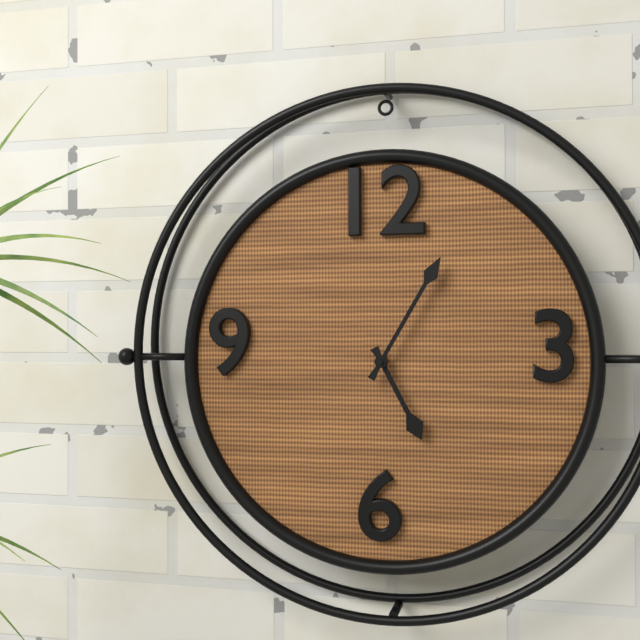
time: 5.05
